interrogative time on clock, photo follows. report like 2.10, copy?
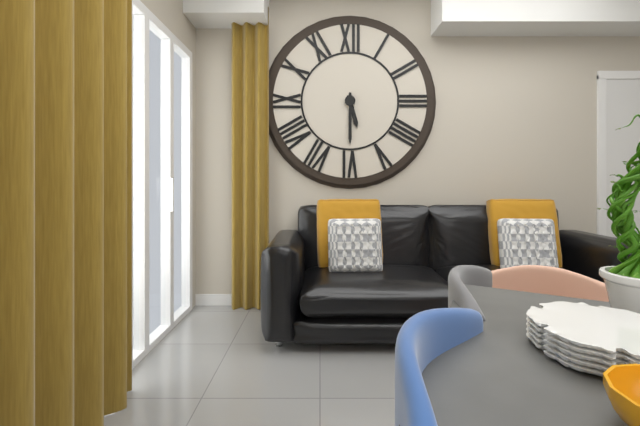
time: 5.30
